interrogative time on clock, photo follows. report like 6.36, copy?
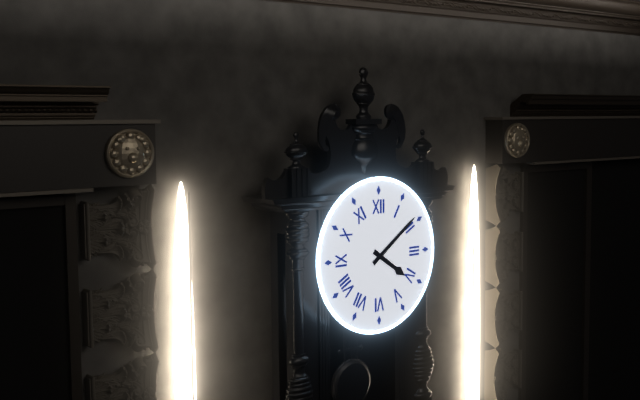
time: 4.09
